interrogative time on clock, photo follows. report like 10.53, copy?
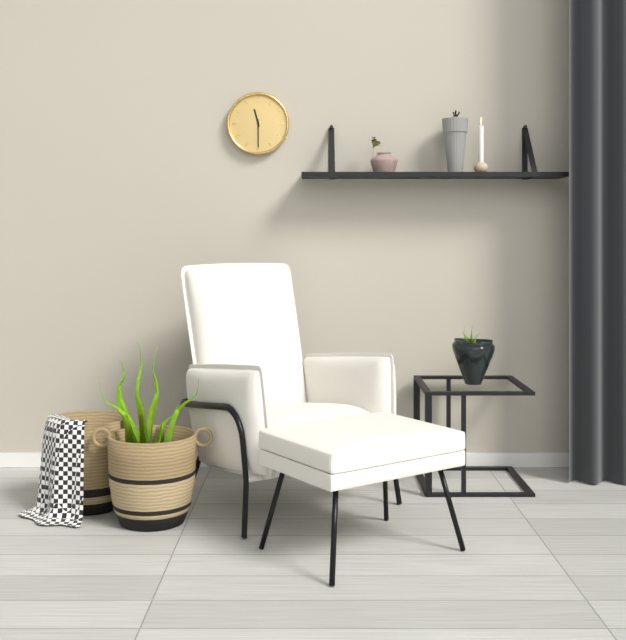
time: 11.30
